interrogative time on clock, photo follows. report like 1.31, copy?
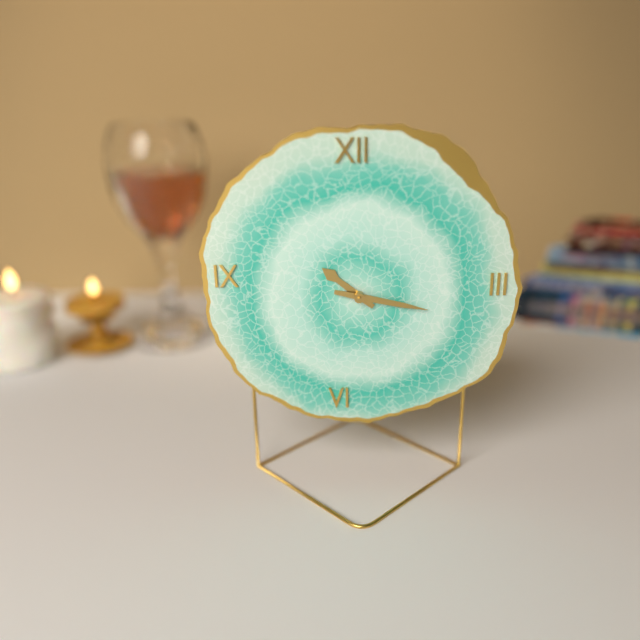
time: 10.17
